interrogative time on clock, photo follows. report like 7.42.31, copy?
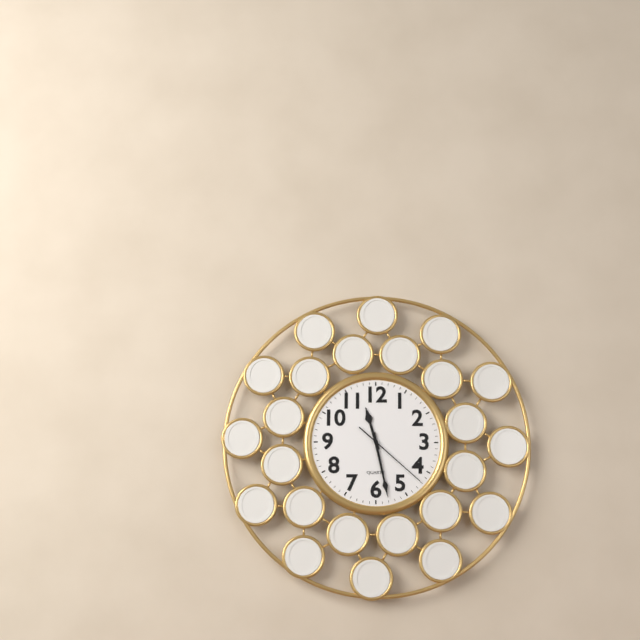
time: 11.28.22
